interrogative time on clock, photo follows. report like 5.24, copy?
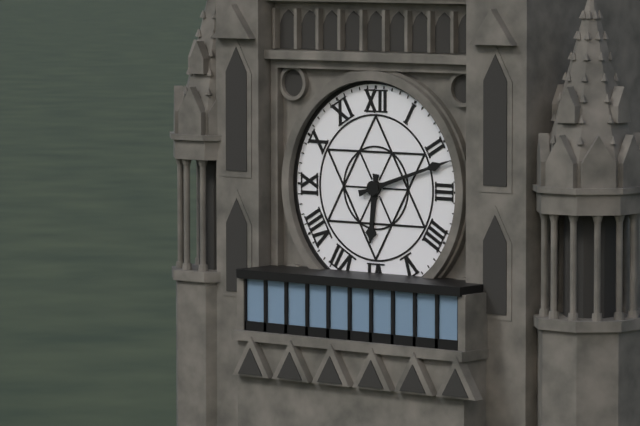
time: 6.12
